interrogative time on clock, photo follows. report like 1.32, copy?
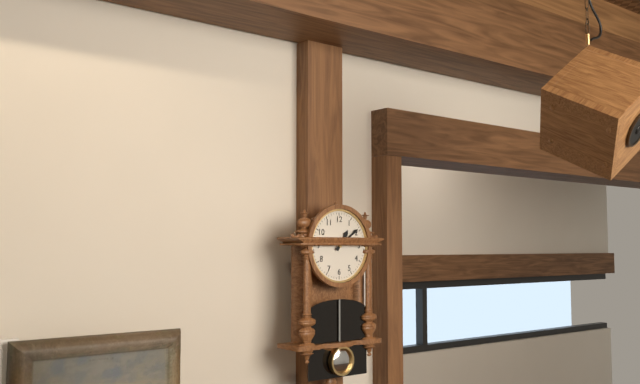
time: 1.09
